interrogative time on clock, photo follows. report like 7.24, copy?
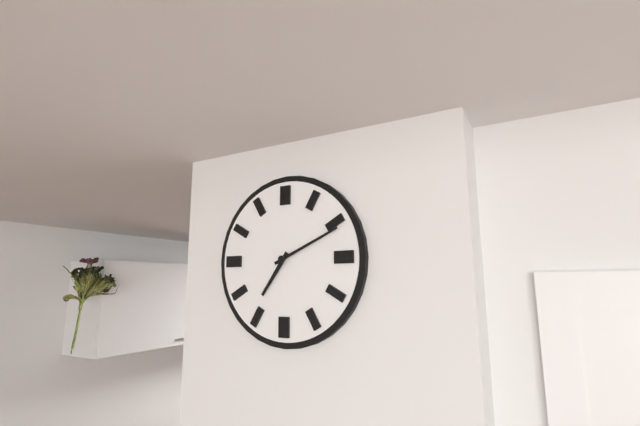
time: 7.11
